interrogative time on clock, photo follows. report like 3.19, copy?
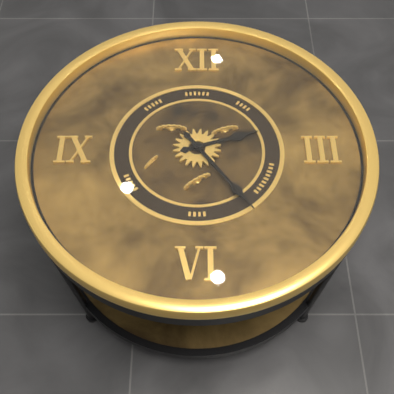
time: 2.24
